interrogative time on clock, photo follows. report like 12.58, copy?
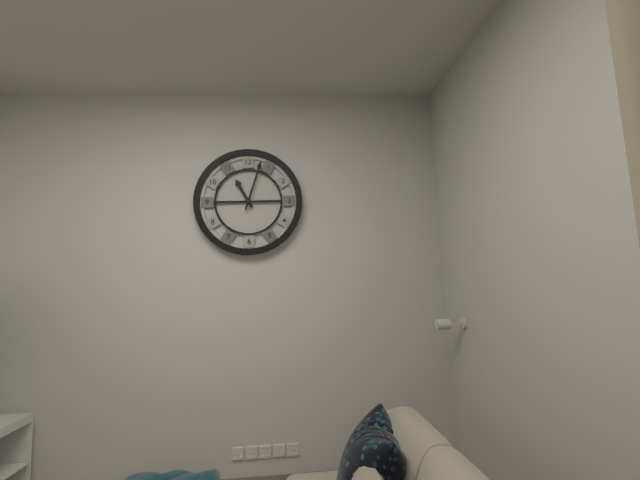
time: 11.03
